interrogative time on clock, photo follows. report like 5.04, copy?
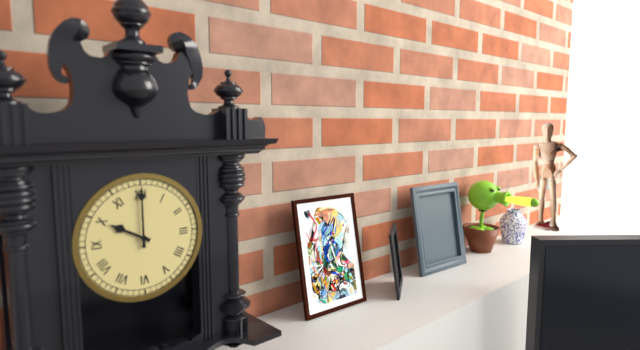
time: 10.00
